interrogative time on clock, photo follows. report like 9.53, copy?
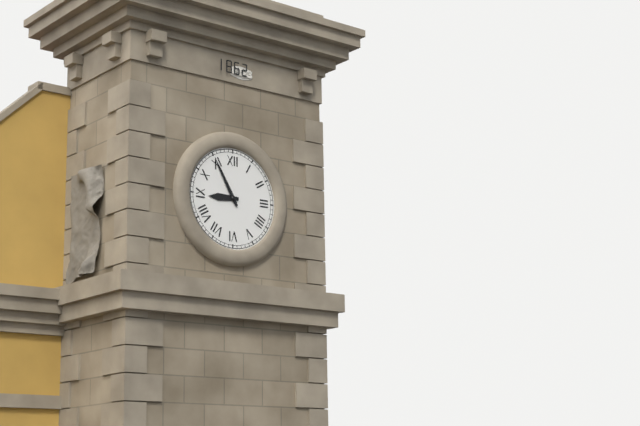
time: 8.55
